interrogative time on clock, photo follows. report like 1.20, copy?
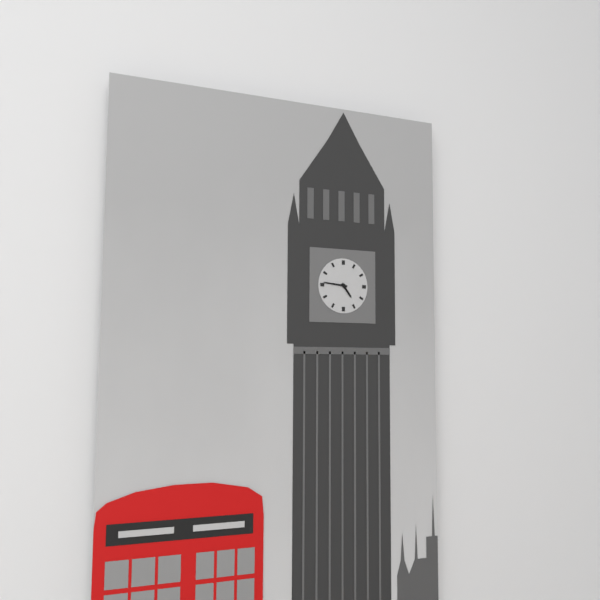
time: 4.46
